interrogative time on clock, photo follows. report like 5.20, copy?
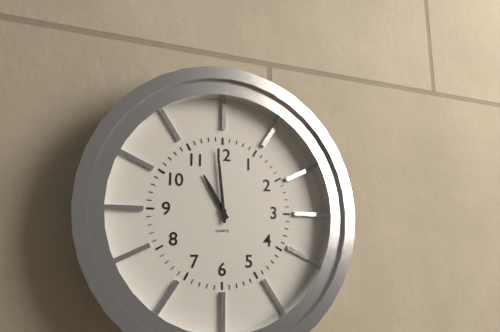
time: 10.59
